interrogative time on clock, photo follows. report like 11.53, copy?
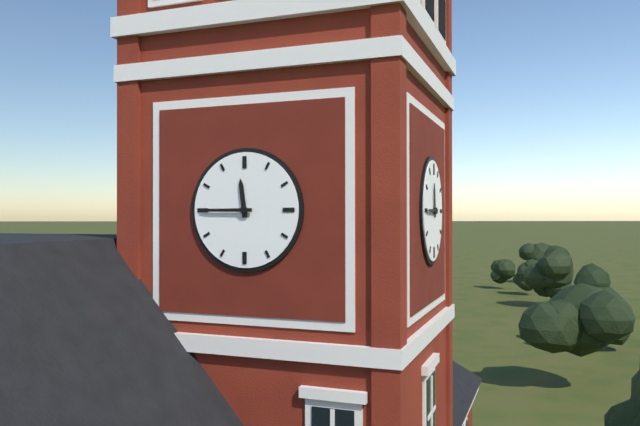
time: 11.45
